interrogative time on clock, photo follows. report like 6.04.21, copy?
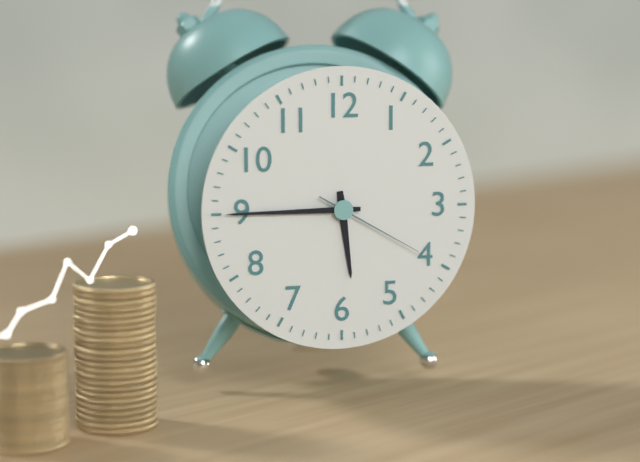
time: 5.45.20
